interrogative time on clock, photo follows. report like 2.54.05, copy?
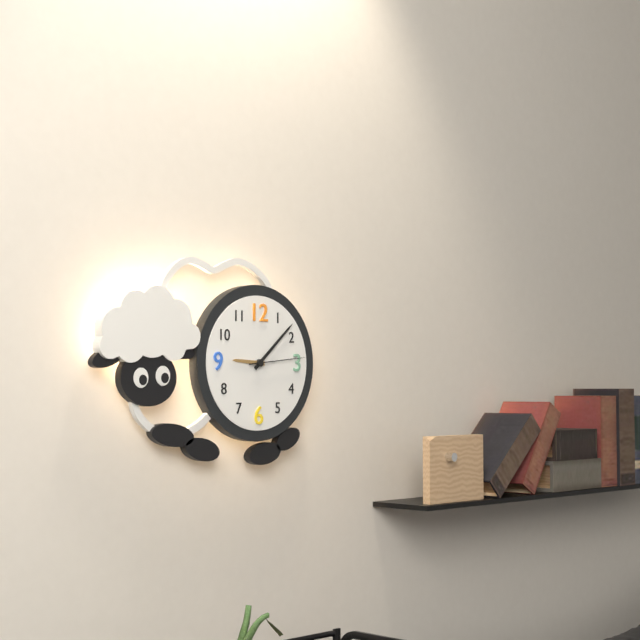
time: 9.08.14
